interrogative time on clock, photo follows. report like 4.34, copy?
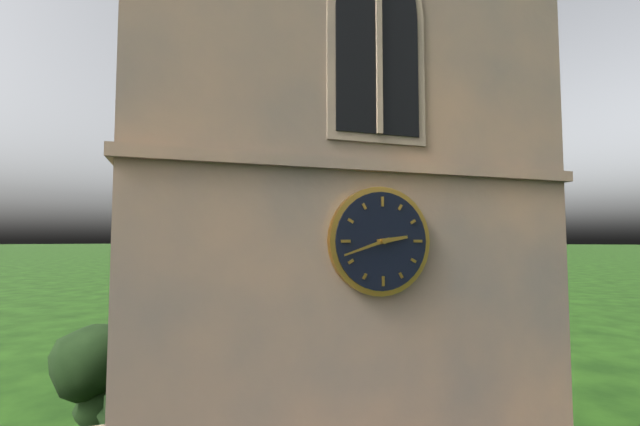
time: 2.42
